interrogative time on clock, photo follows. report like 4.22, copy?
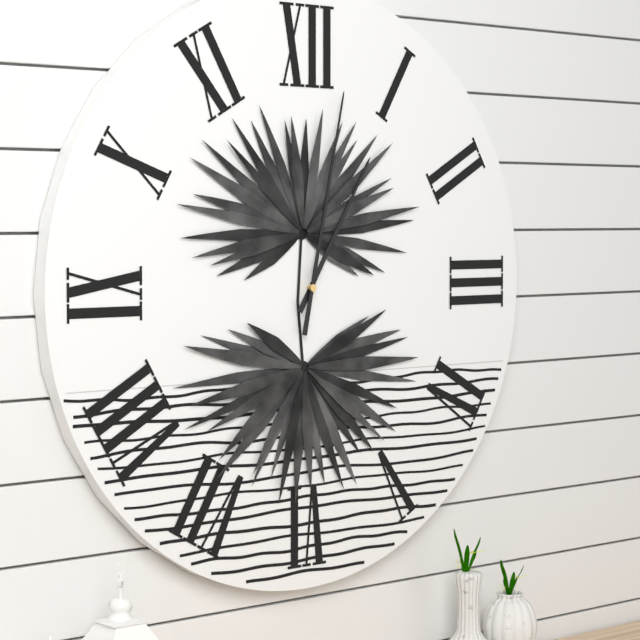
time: 1.02
